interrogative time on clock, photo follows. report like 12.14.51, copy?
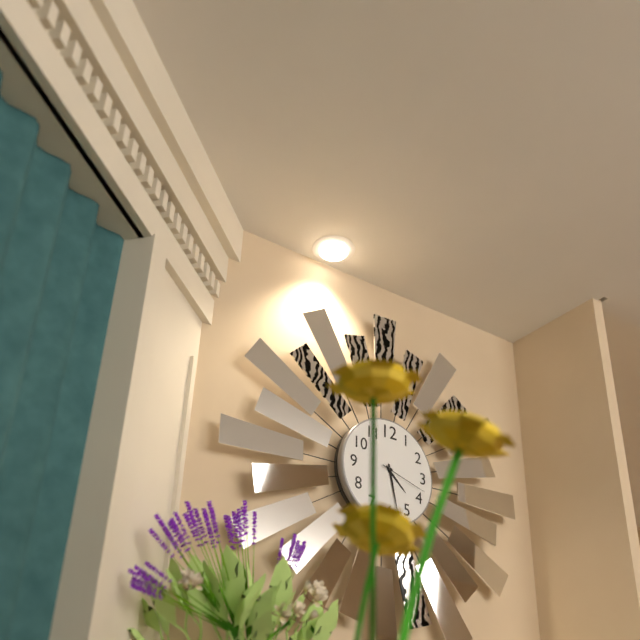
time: 4.28.18
